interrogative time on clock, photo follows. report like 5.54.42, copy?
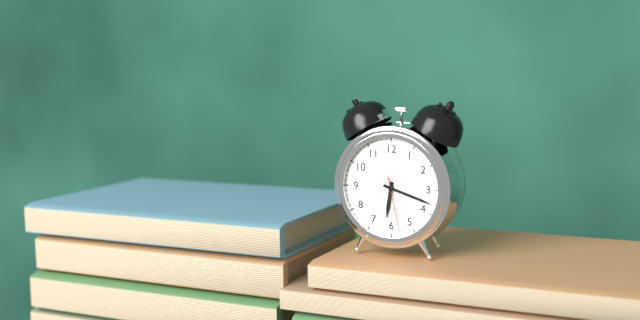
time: 6.18.28
